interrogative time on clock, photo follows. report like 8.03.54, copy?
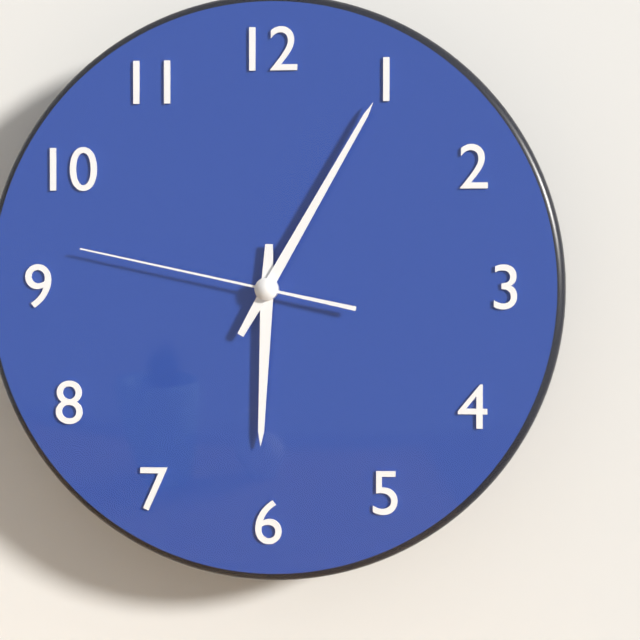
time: 6.05.47
